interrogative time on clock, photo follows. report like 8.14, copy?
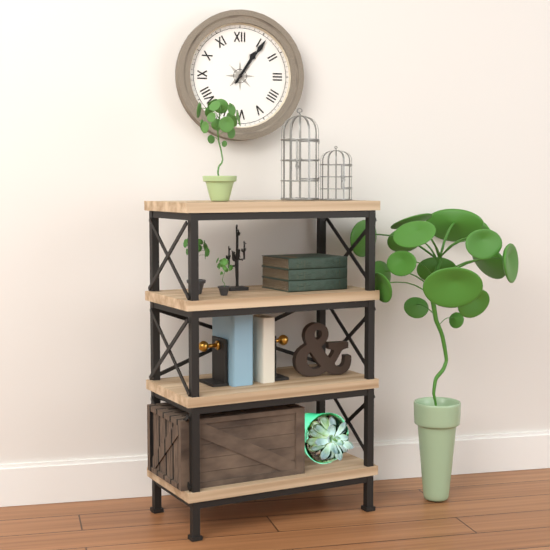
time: 1.06
